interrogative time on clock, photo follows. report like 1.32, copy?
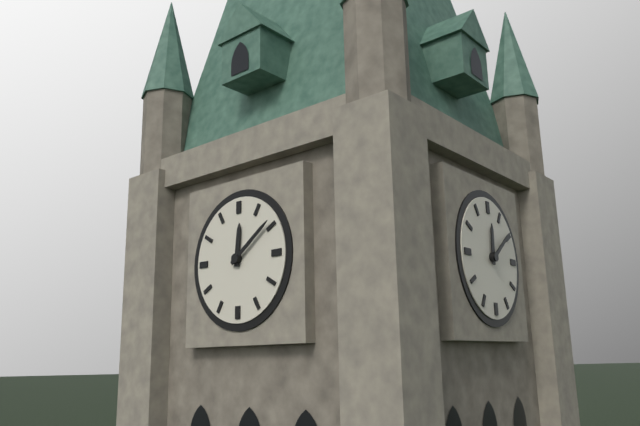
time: 12.09
